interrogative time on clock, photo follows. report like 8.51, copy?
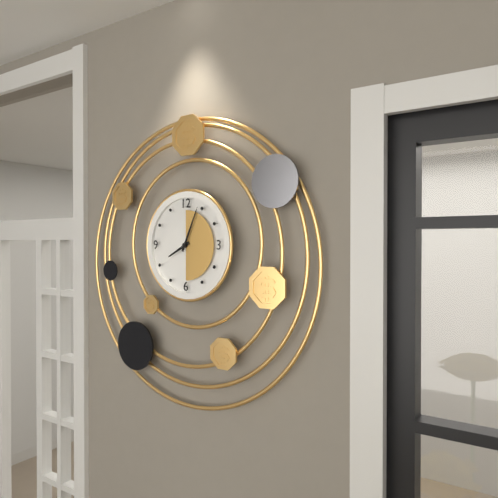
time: 8.04
